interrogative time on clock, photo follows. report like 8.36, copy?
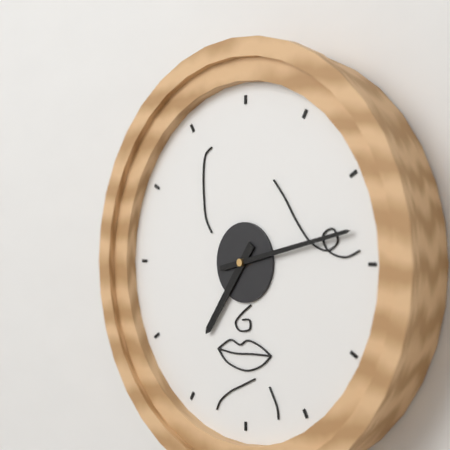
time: 7.13
